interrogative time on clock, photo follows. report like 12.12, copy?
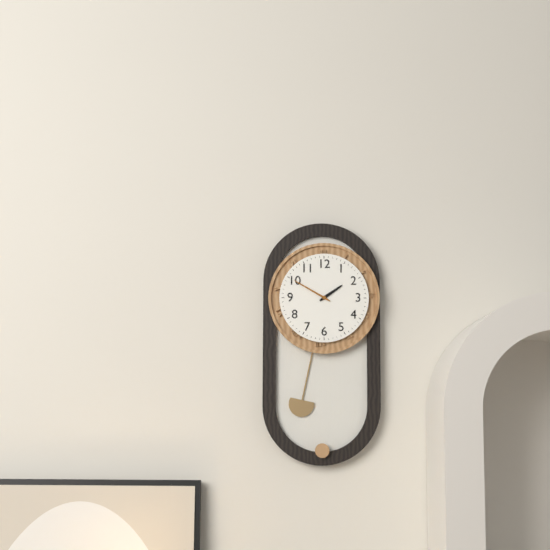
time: 1.50
